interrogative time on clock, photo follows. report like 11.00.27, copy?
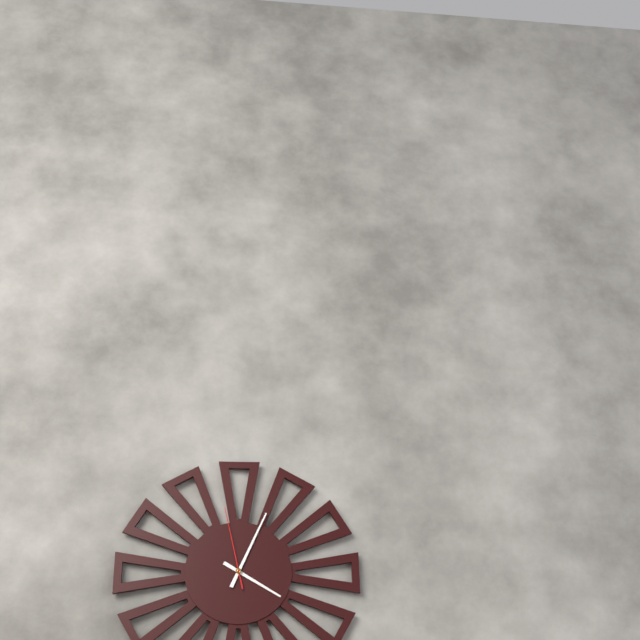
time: 4.04.58
